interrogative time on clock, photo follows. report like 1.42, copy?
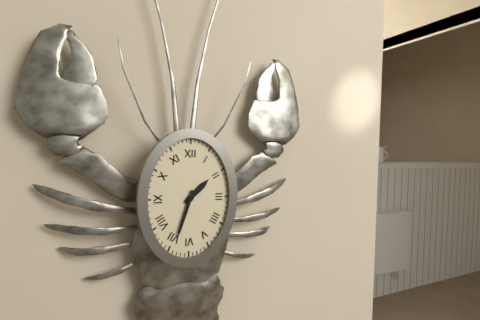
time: 1.33
